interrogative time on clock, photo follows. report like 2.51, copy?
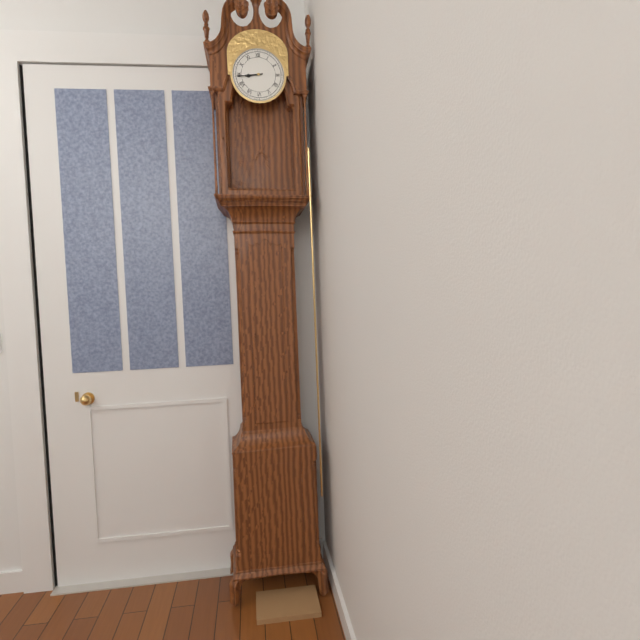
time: 8.44
